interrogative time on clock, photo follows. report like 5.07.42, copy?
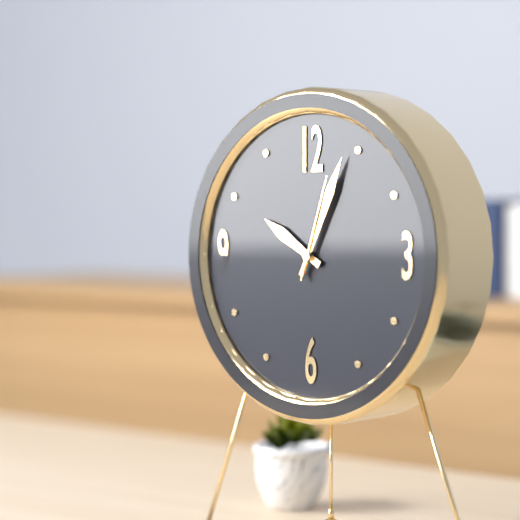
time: 10.04.03
